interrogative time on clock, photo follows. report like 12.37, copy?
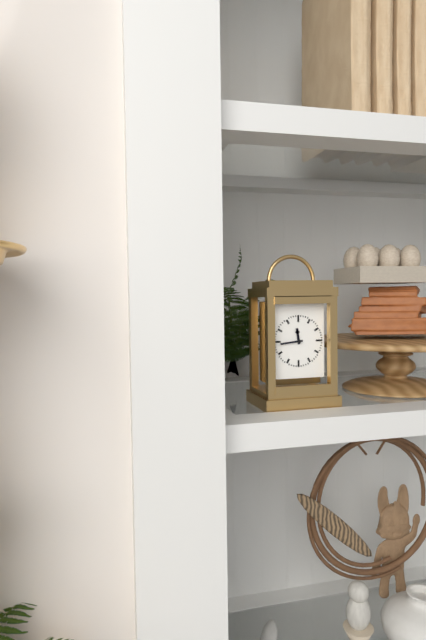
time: 11.44
